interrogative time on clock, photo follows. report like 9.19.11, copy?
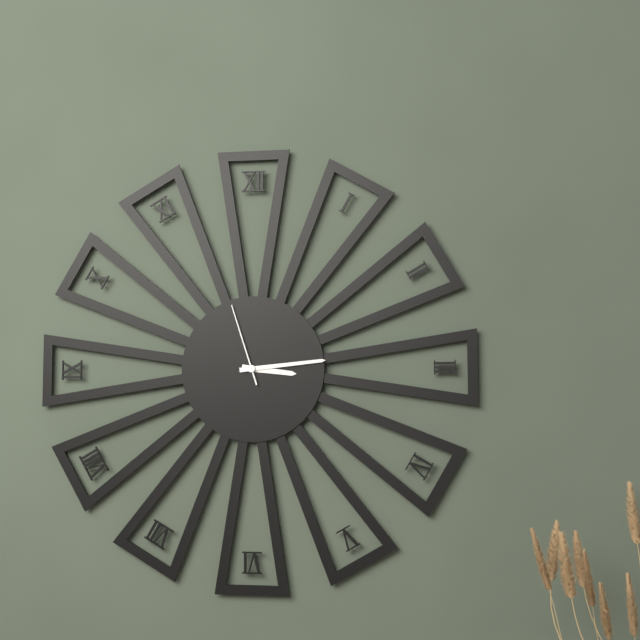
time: 3.14.57
